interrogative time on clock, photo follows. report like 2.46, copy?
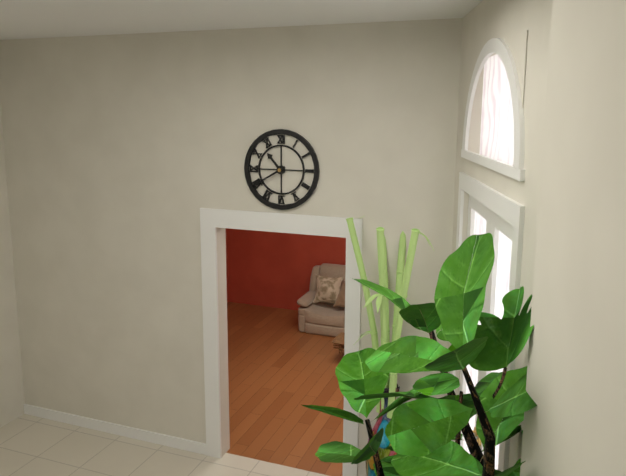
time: 10.40
